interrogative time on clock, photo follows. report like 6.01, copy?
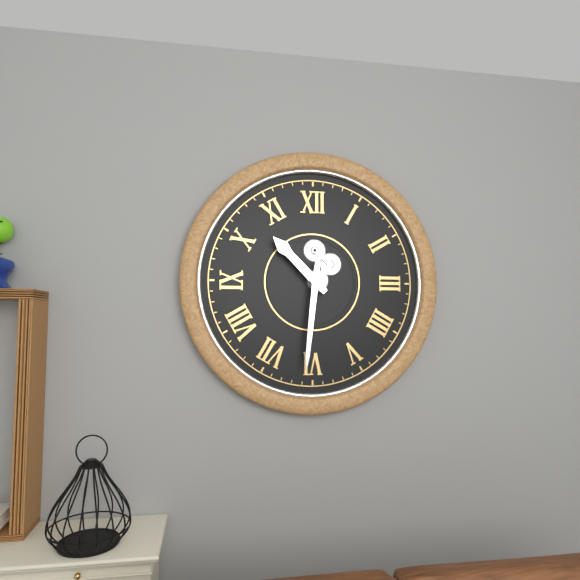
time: 10.31
